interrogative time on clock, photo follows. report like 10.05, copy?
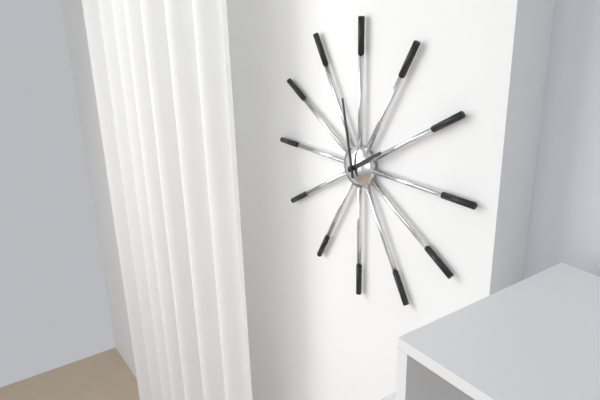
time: 1.58
